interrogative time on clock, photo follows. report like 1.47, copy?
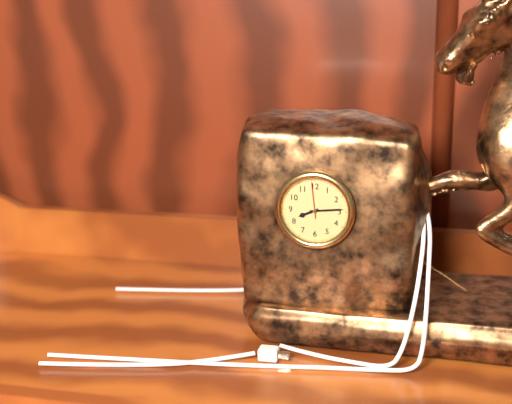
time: 8.14
